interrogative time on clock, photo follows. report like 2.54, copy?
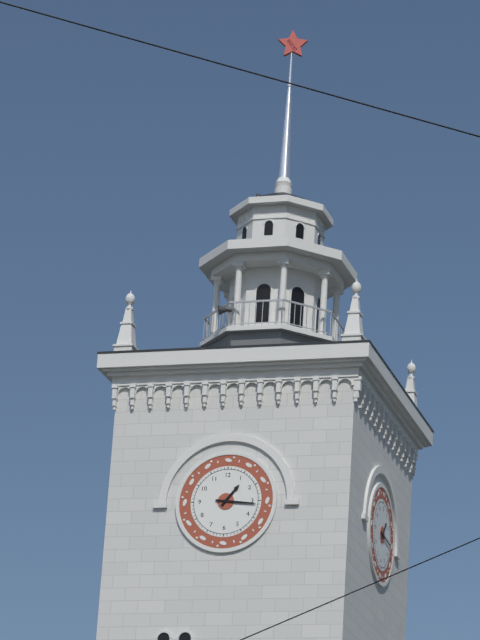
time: 1.16
